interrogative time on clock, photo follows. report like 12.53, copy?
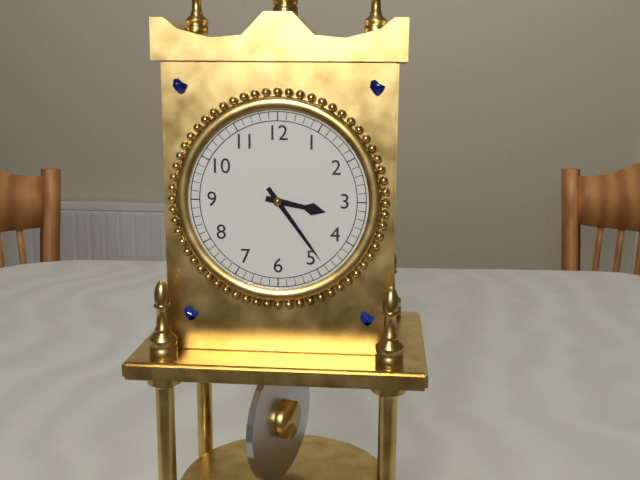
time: 3.24
